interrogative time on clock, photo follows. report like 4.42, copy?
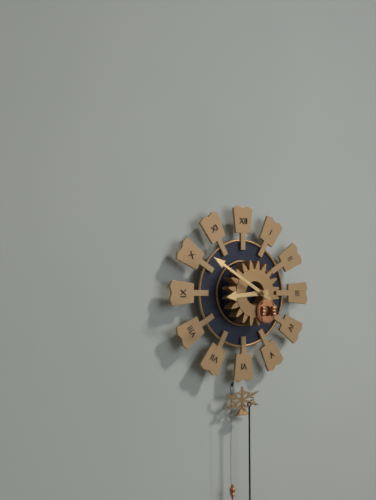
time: 8.50
